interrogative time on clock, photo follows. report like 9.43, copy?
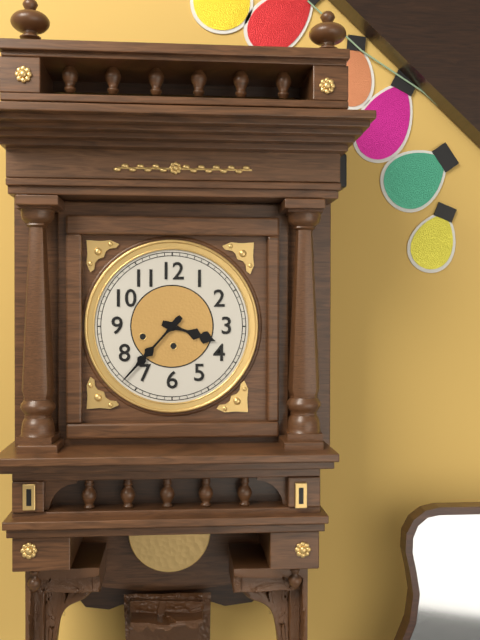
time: 3.37
